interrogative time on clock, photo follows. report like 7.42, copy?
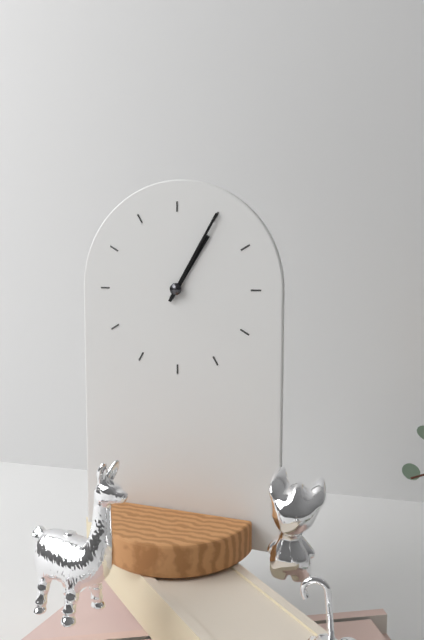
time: 1.05
